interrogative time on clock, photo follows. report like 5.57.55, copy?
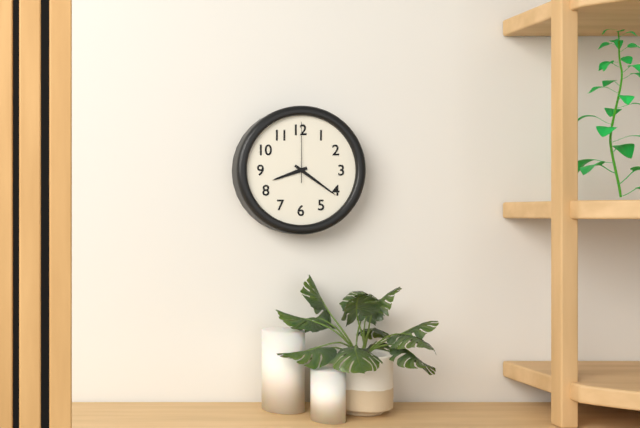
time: 8.21.00
